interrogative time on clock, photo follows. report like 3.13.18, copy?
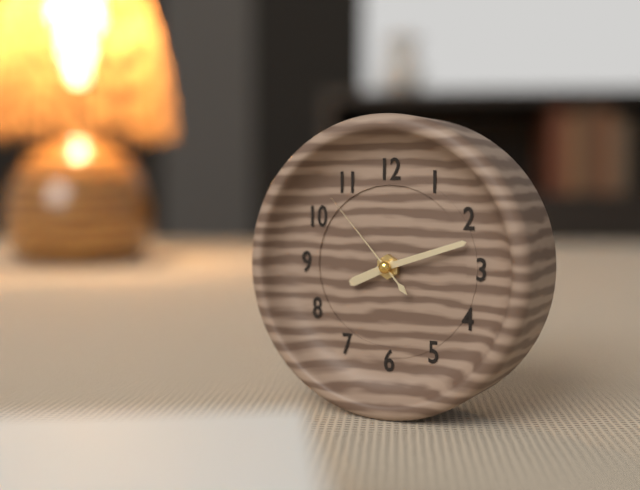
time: 8.12.53
